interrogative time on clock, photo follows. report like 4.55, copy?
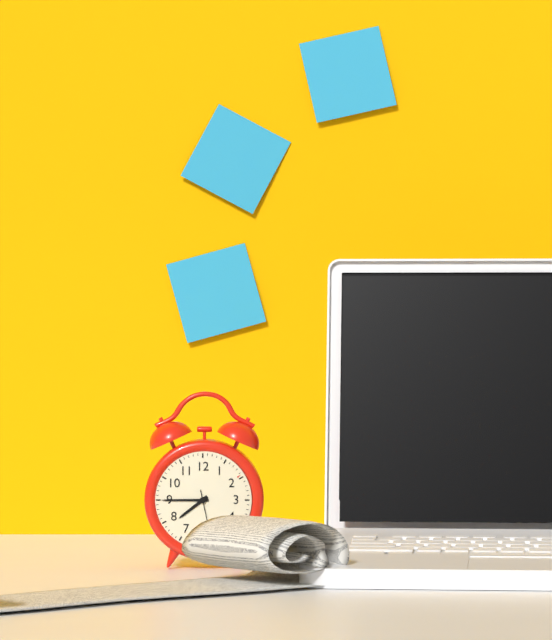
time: 7.45
